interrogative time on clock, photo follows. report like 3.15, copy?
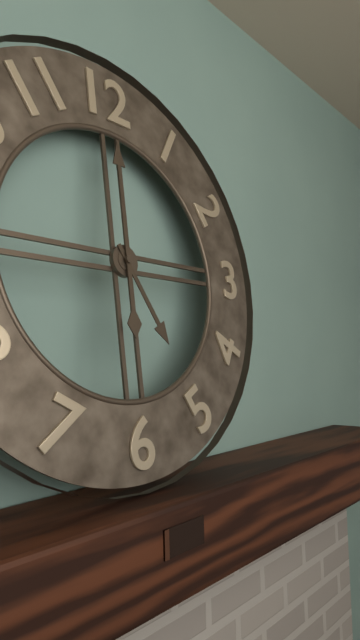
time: 5.00
